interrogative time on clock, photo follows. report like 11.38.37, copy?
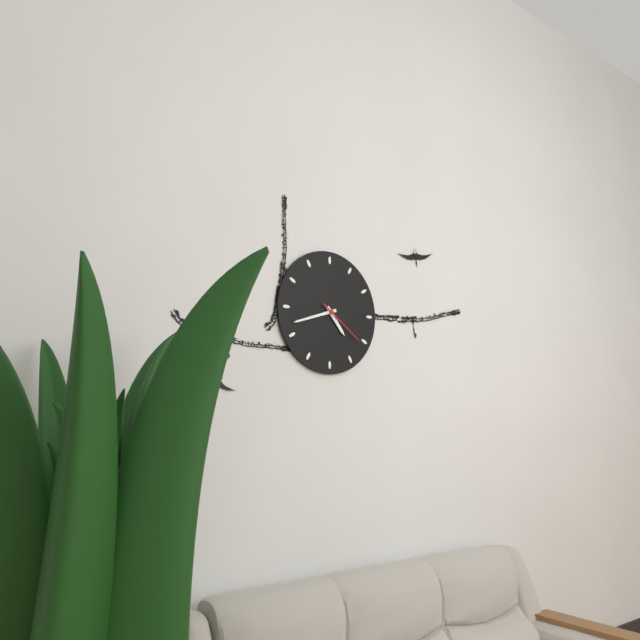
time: 4.42.21
